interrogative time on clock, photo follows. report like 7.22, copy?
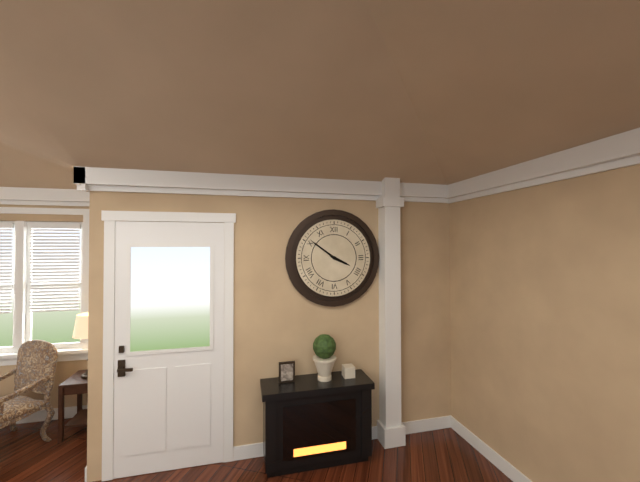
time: 3.51
